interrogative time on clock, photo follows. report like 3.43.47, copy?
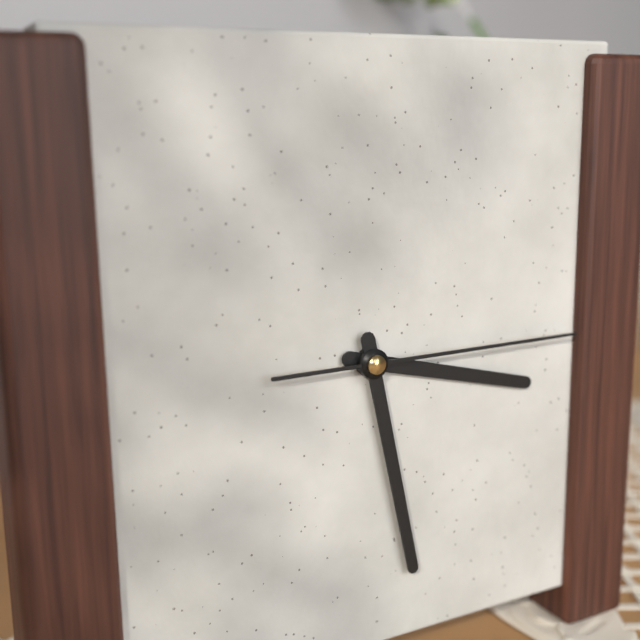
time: 3.28.15
